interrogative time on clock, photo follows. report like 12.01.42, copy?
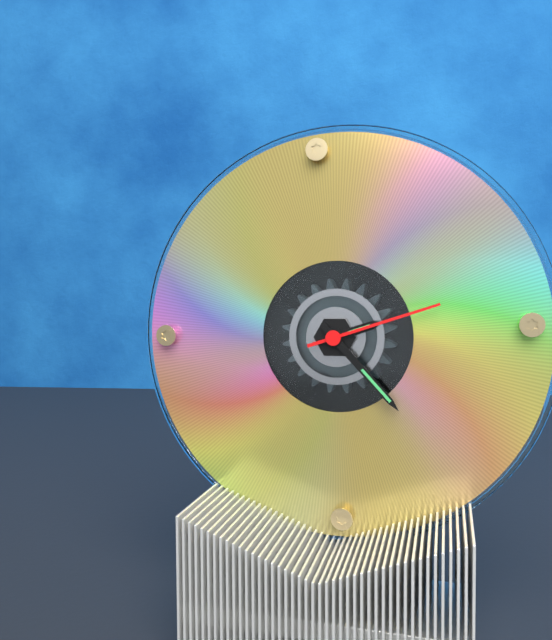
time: 2.23.12
